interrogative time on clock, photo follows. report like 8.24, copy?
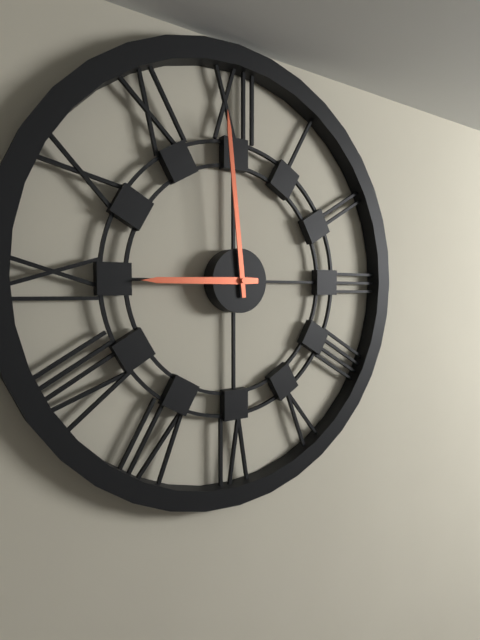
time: 8.59
